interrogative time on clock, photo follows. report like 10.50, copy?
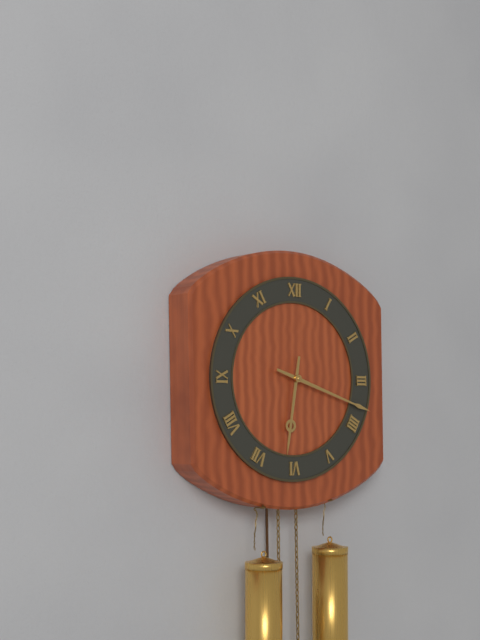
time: 6.18
